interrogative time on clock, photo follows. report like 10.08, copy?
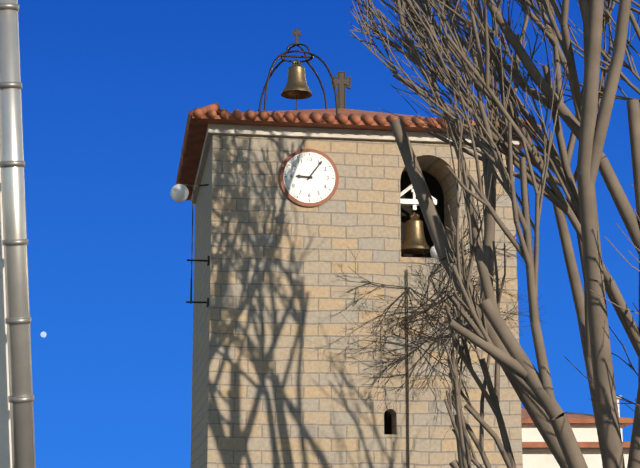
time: 9.06
